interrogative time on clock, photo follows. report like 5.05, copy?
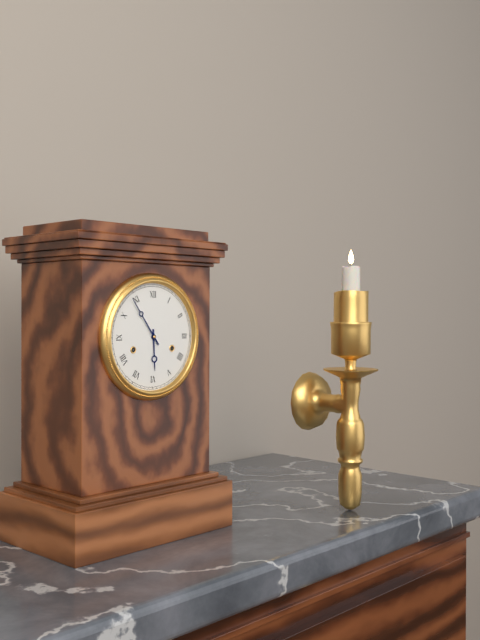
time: 5.54
